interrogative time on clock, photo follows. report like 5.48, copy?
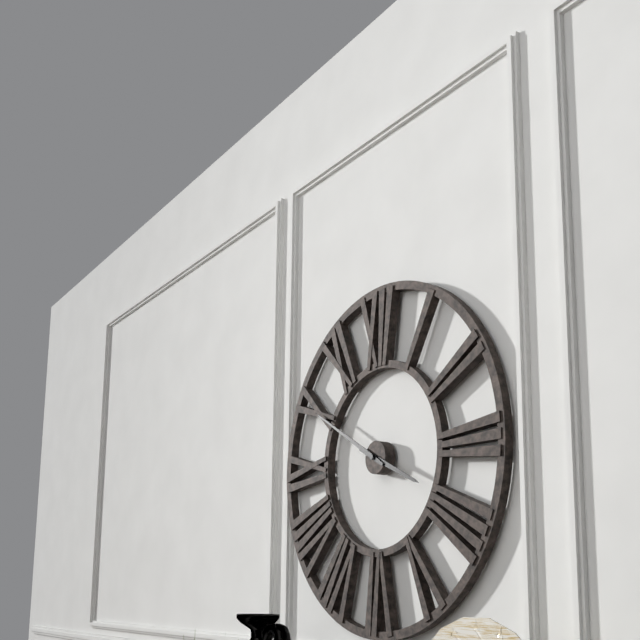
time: 3.50
